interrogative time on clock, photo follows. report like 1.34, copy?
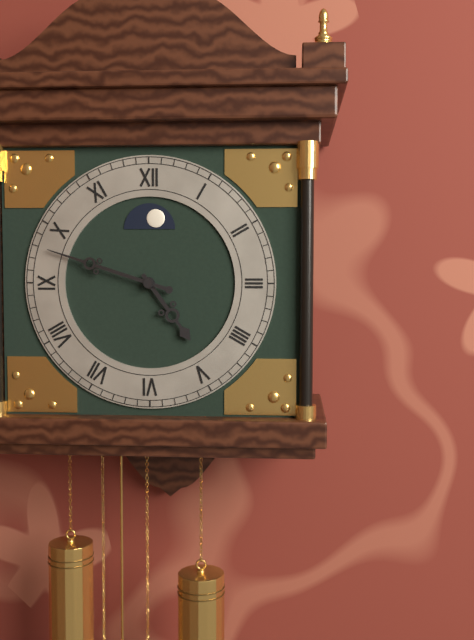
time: 4.48
